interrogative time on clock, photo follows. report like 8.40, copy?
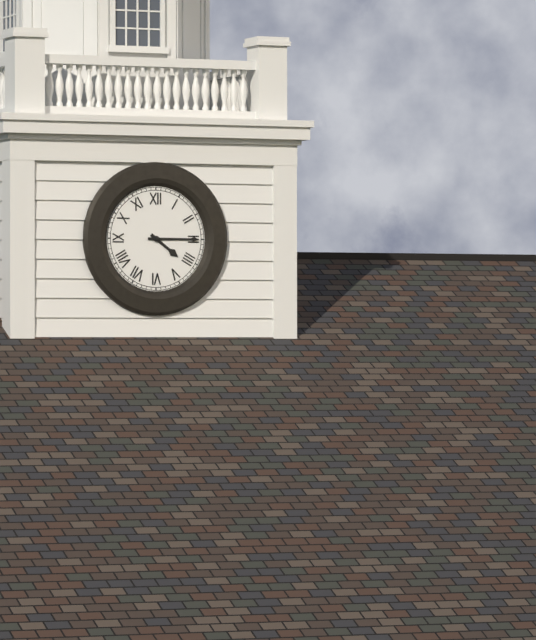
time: 4.15
